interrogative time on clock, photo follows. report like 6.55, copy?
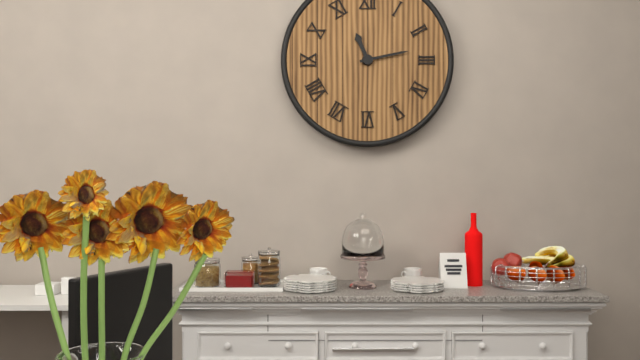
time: 11.13
